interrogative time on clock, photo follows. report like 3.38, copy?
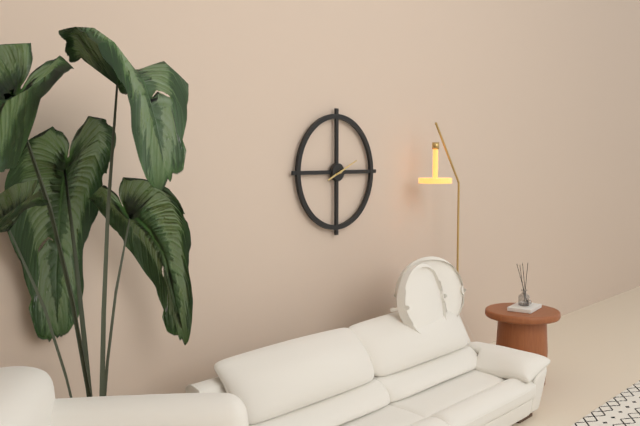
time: 8.11
